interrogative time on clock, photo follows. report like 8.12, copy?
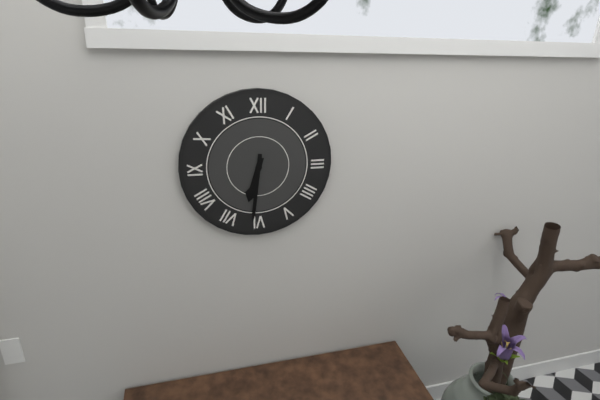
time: 6.31
